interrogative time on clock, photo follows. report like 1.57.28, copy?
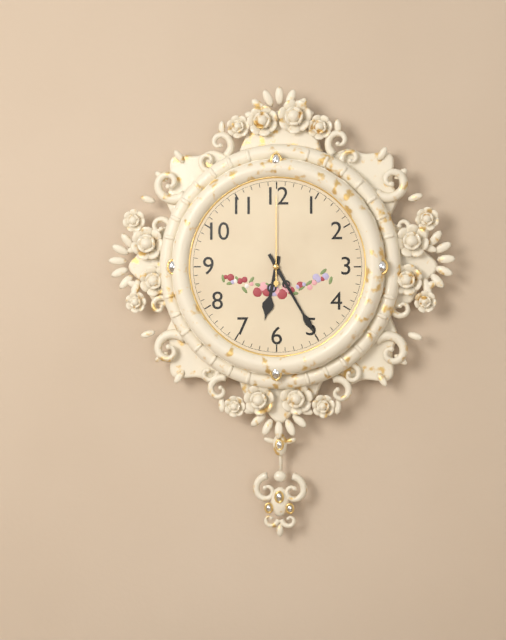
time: 6.25.00
